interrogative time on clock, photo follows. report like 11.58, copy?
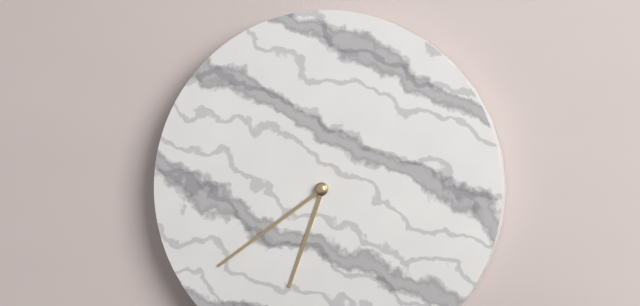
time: 6.39
